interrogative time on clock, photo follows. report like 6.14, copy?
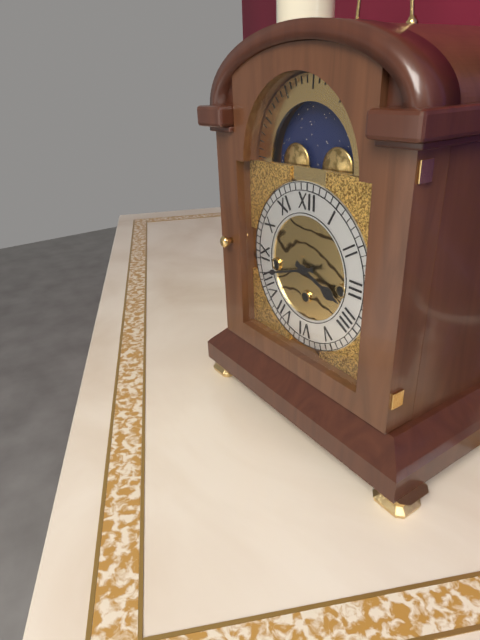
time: 3.42
